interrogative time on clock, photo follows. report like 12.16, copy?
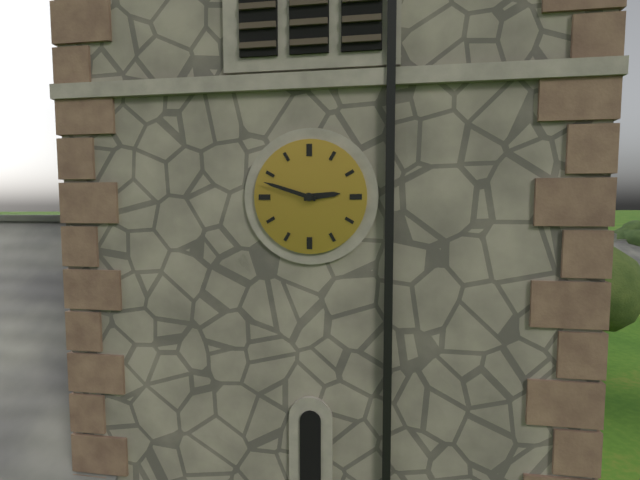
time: 2.48
